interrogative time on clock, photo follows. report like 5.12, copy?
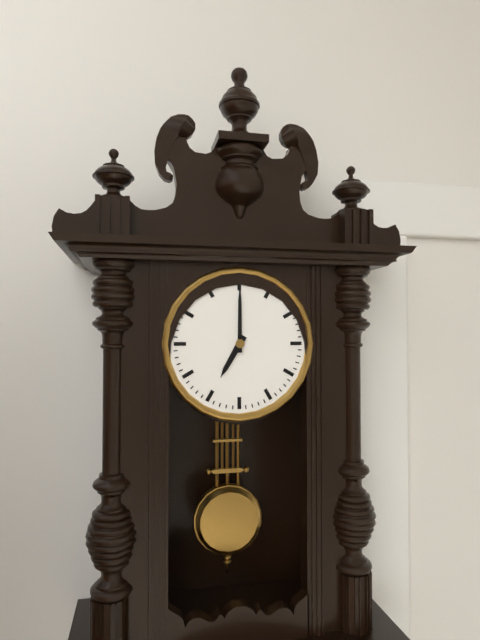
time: 7.00
